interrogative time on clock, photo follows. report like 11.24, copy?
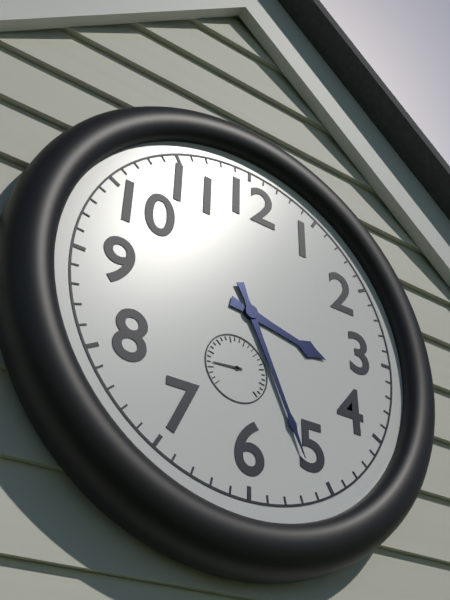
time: 3.26
